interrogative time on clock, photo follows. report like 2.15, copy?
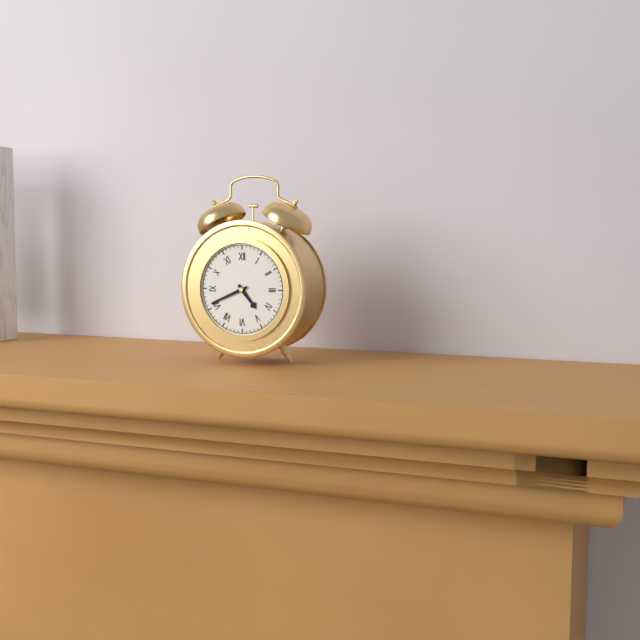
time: 4.41
